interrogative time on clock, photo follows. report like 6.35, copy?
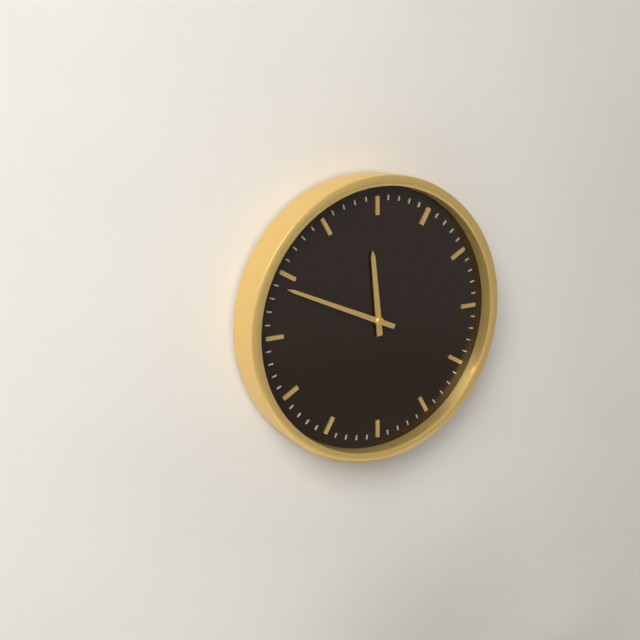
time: 11.49
